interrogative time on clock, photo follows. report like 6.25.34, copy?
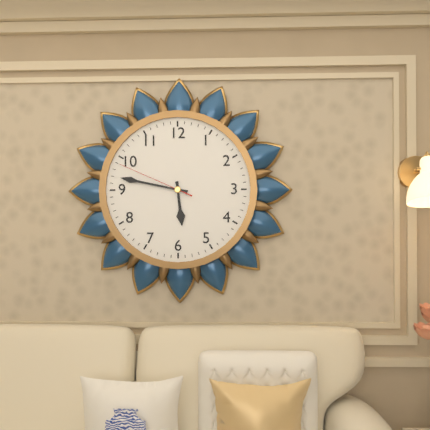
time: 5.47.49
